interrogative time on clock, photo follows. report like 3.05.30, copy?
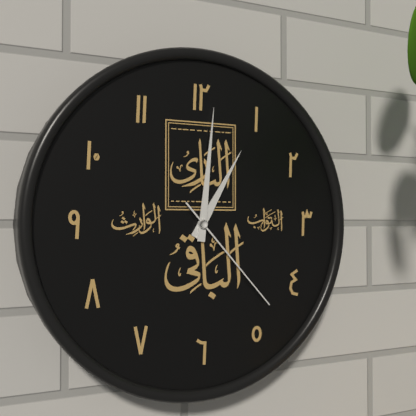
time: 1.01.23
